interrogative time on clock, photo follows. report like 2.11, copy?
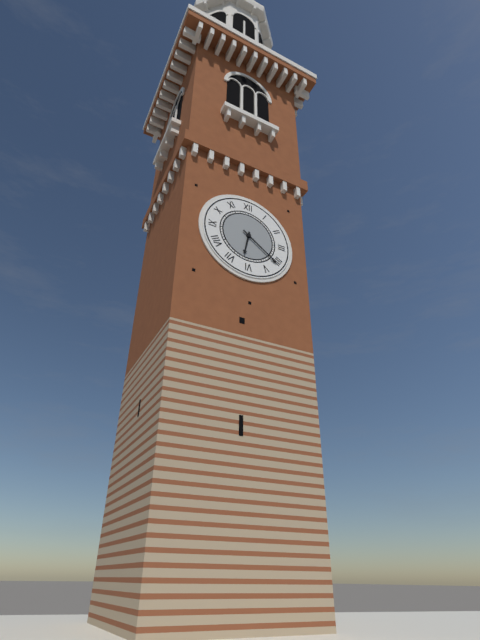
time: 6.21
